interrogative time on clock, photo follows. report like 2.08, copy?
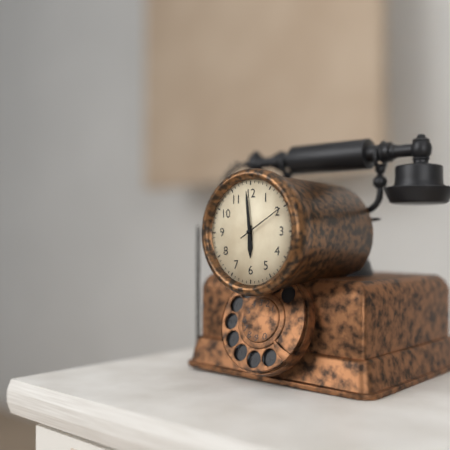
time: 5.59
